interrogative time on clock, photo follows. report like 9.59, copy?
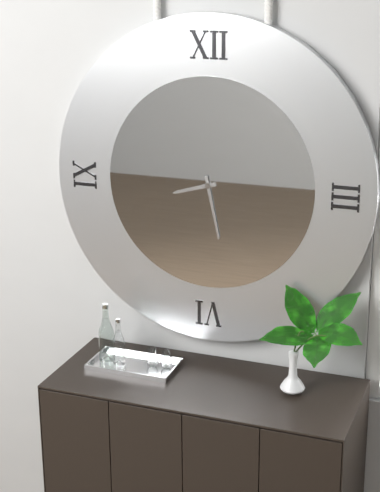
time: 8.28
